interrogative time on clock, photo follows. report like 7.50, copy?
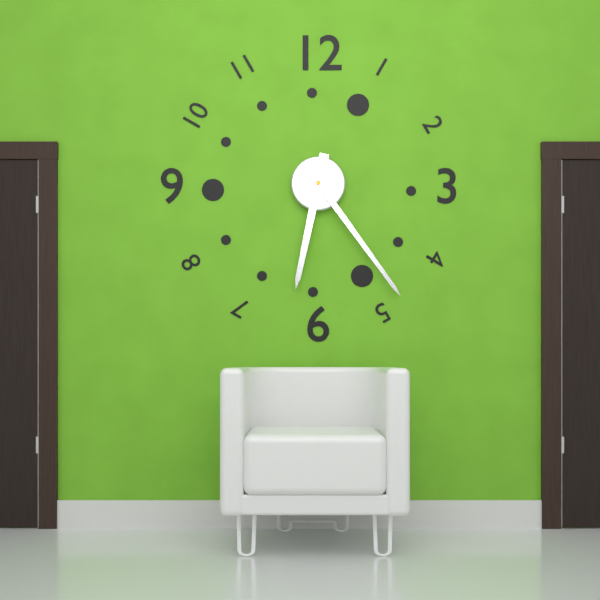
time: 6.24
